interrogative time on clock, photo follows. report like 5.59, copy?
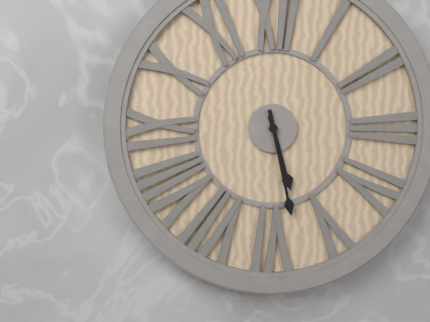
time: 5.28
